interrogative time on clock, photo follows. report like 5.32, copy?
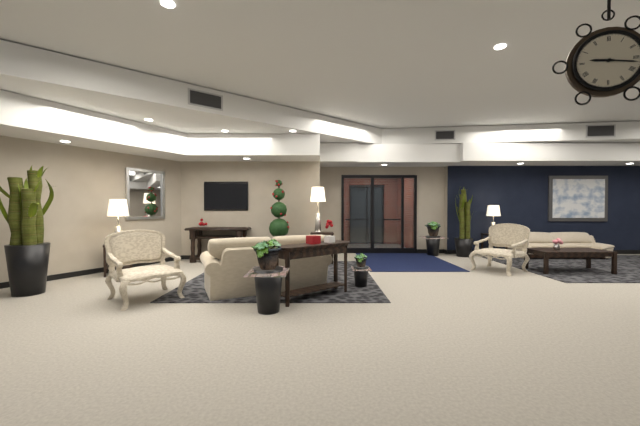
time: 9.17
